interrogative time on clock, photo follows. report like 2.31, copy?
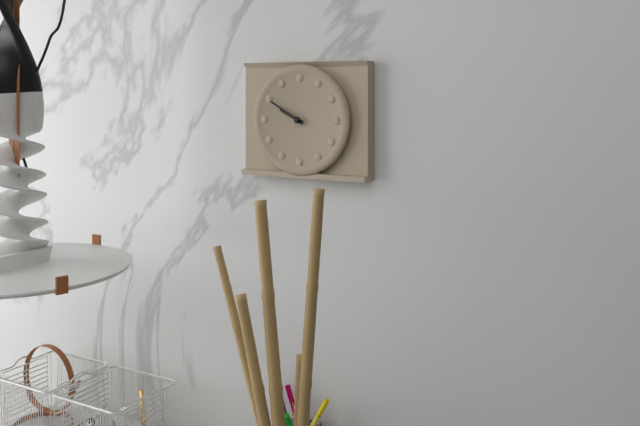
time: 9.50
